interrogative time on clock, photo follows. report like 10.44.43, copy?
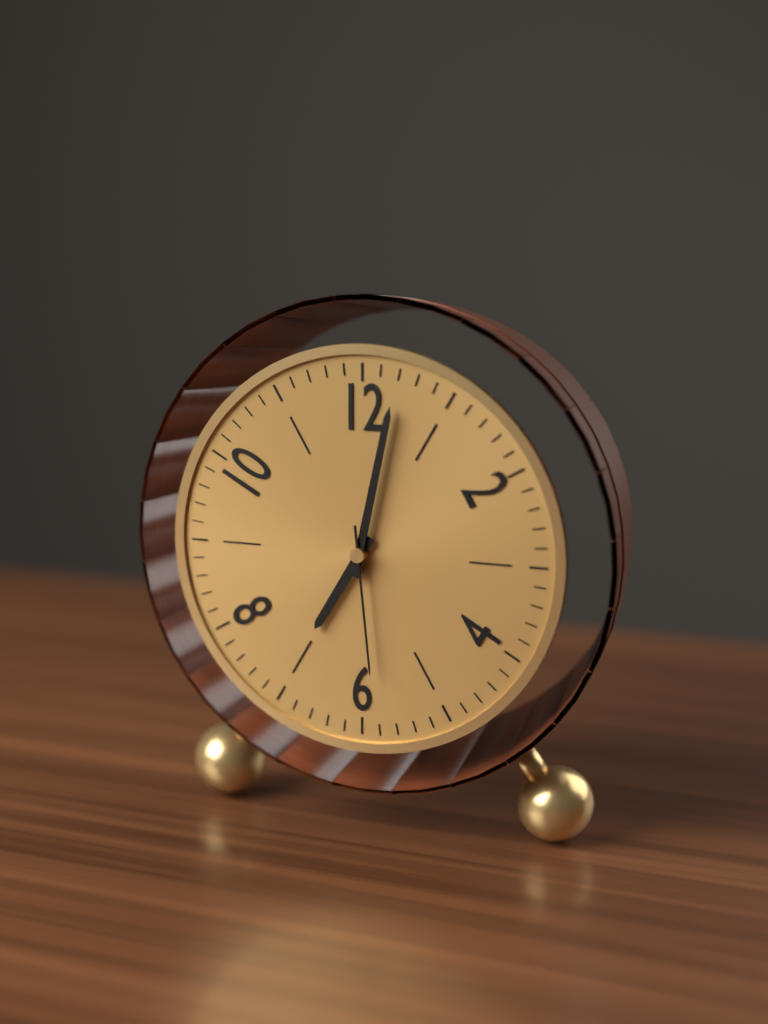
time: 7.02.29
